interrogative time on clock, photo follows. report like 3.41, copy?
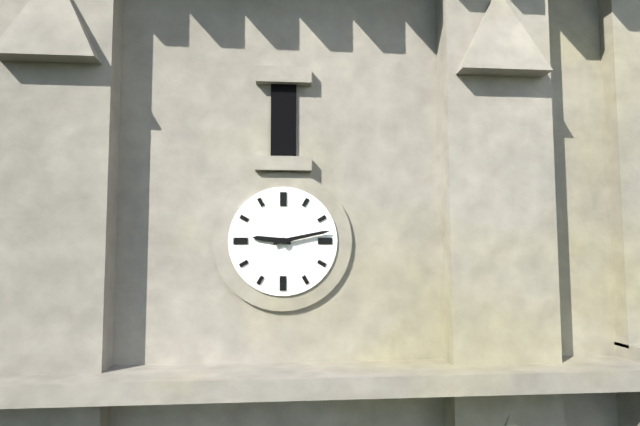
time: 9.13
